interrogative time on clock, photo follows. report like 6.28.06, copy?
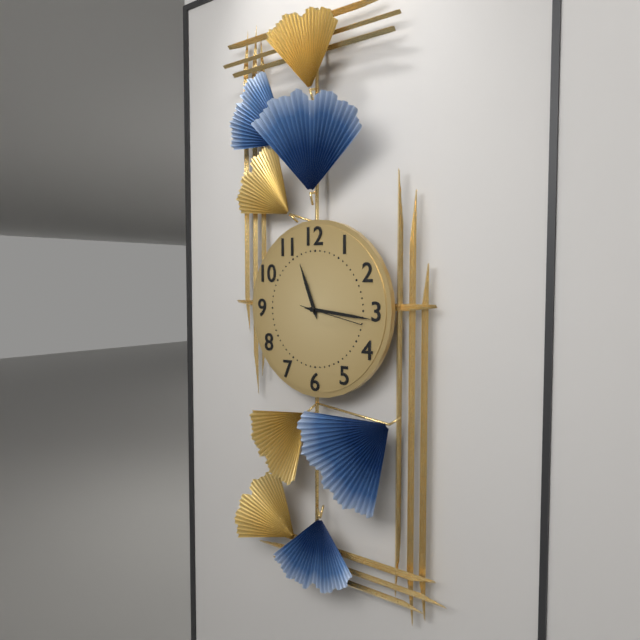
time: 11.16.17
